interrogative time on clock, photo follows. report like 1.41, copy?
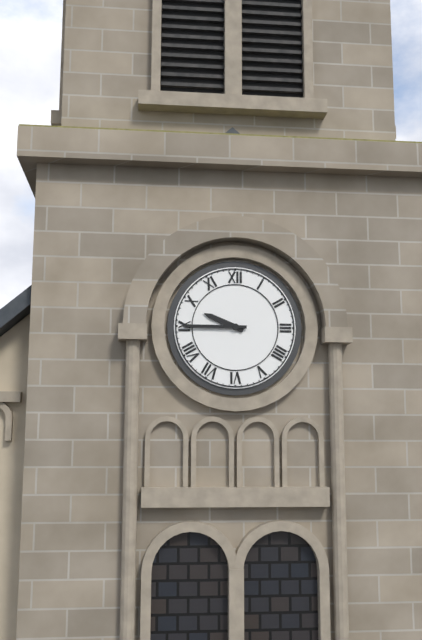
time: 9.45
